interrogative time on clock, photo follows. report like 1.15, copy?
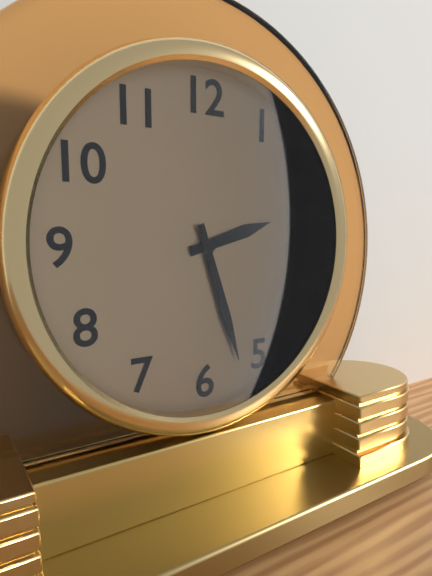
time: 2.27
